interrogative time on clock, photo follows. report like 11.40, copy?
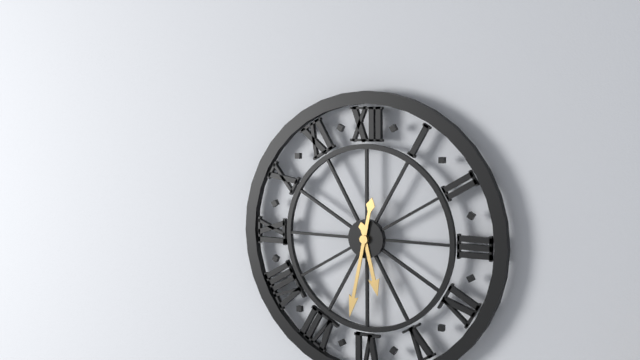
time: 5.32
